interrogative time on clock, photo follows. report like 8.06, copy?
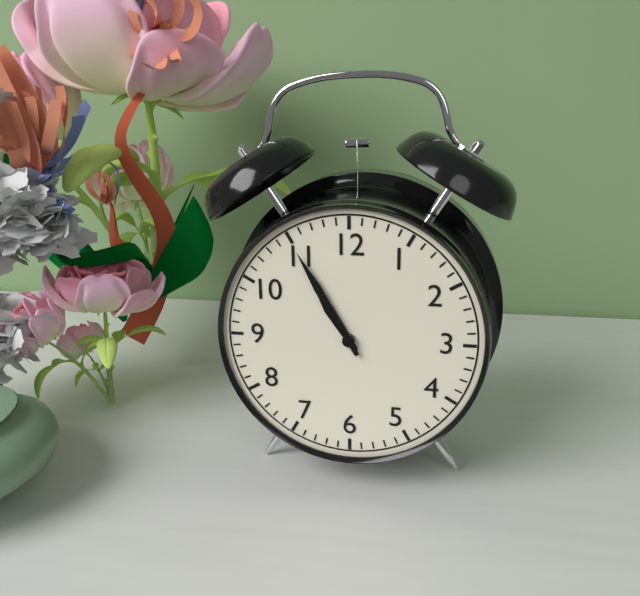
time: 10.55
